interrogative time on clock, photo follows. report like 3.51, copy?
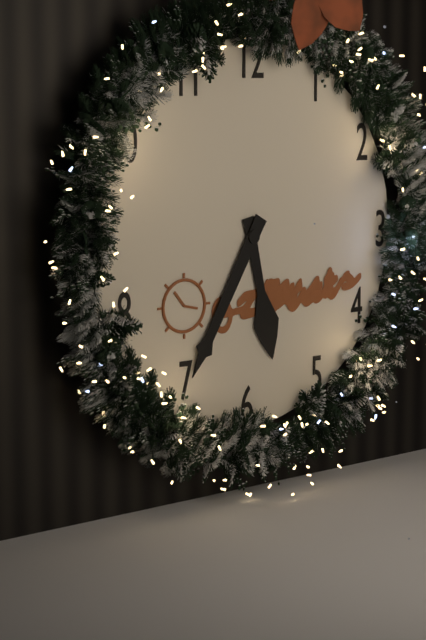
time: 5.35
